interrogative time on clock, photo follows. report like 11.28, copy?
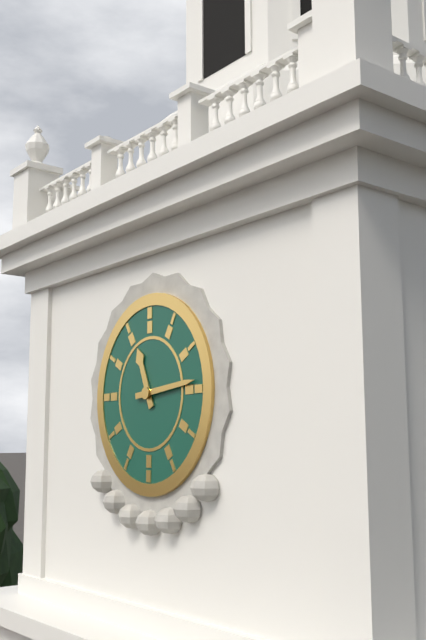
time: 11.14
